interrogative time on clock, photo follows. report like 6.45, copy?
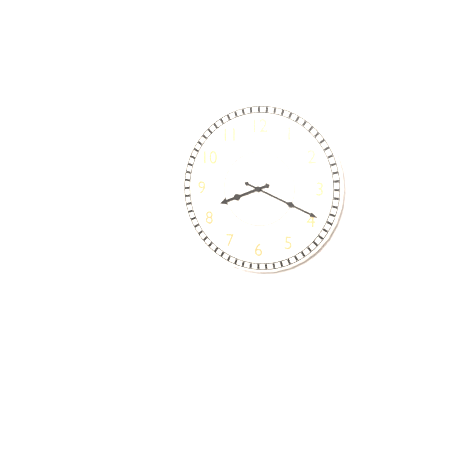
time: 8.19
